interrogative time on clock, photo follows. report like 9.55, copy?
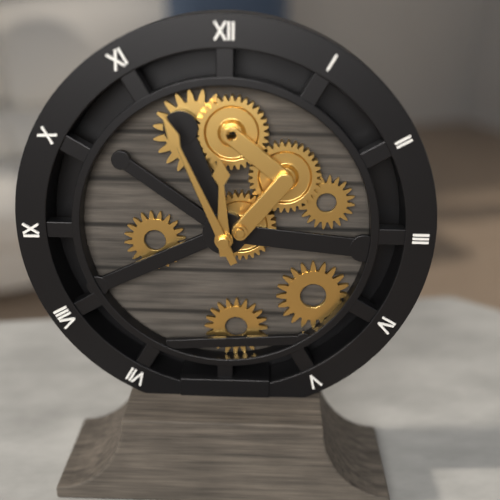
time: 11.56
